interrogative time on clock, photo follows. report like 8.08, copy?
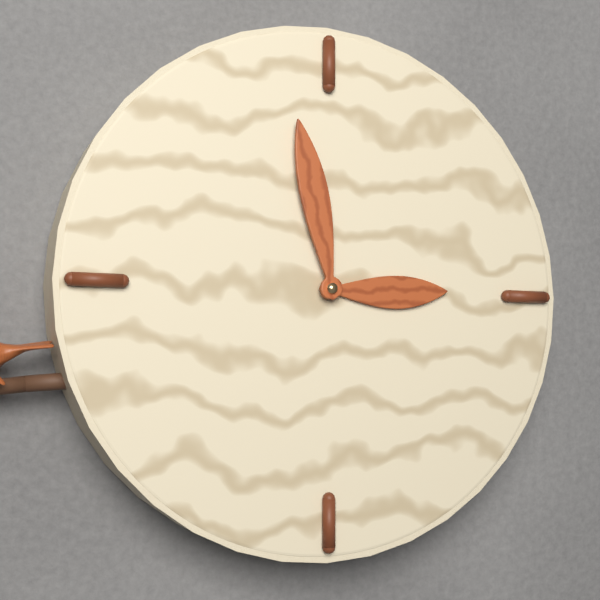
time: 2.58
